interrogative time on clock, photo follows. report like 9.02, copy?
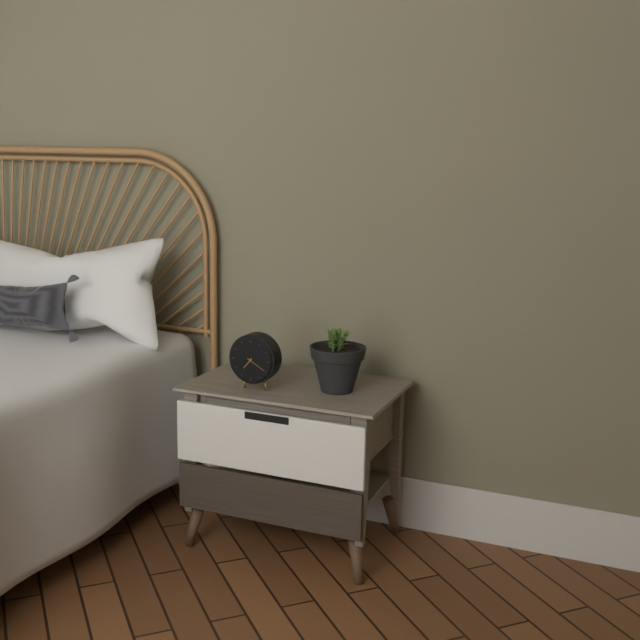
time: 7.20
